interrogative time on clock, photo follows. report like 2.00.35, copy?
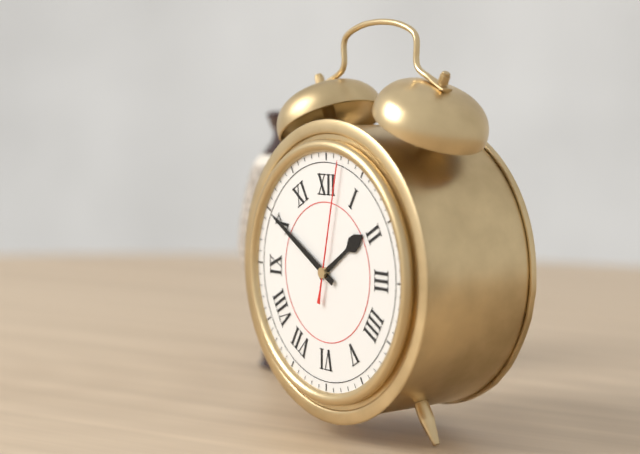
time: 1.50.02
